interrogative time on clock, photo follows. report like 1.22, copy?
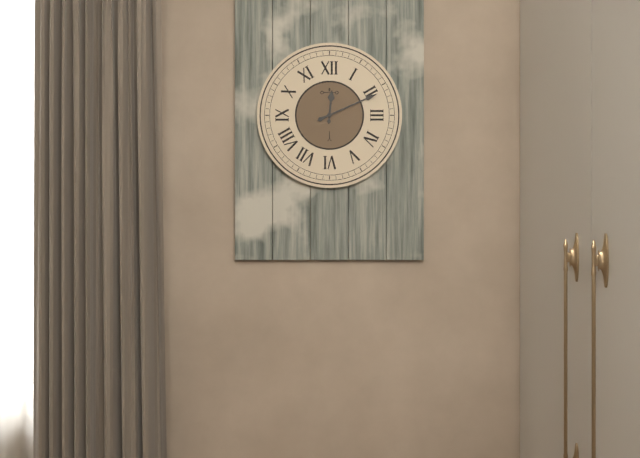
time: 12.11
